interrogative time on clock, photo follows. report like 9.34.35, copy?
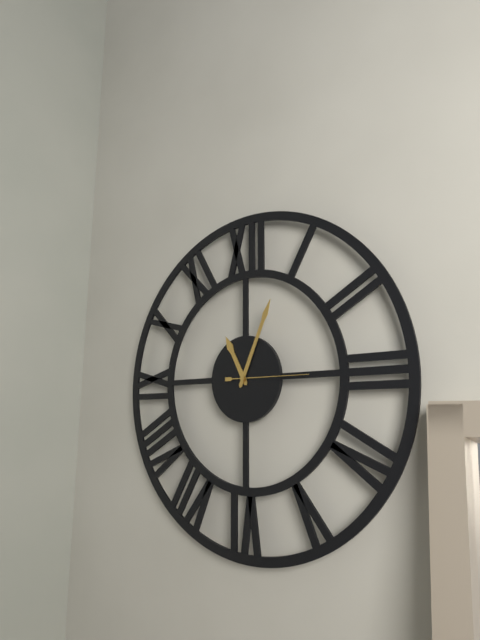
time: 11.04.15
